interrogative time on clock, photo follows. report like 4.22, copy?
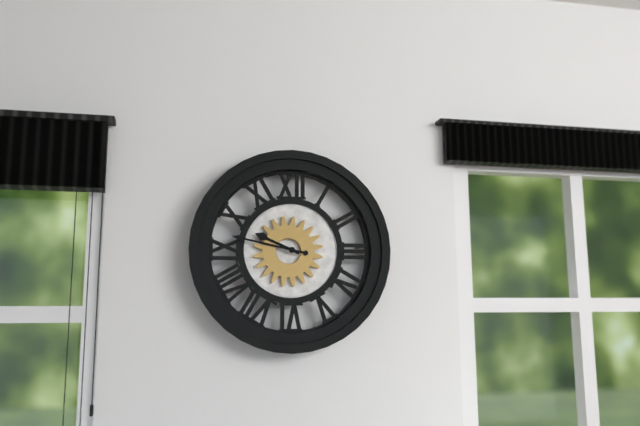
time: 9.47
